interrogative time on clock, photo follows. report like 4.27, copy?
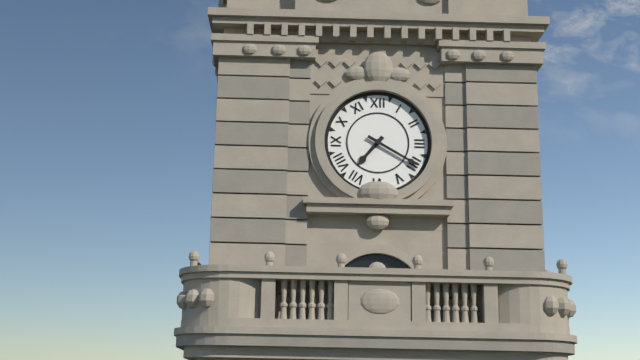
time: 7.20
